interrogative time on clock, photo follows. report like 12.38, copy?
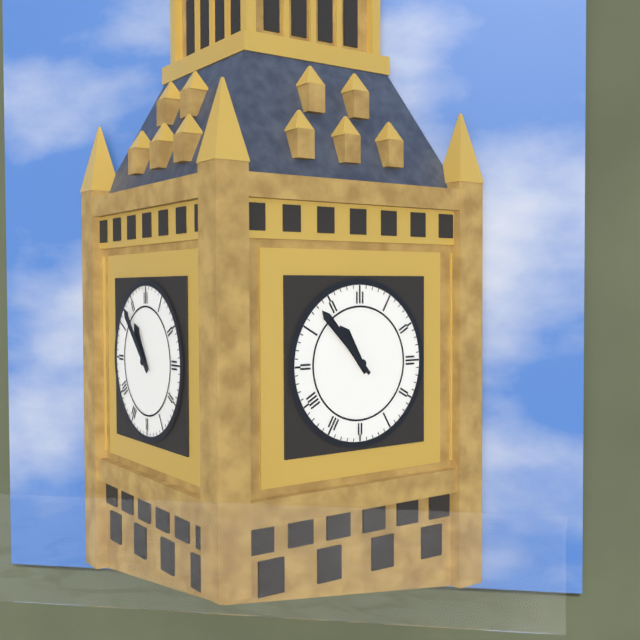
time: 10.53
